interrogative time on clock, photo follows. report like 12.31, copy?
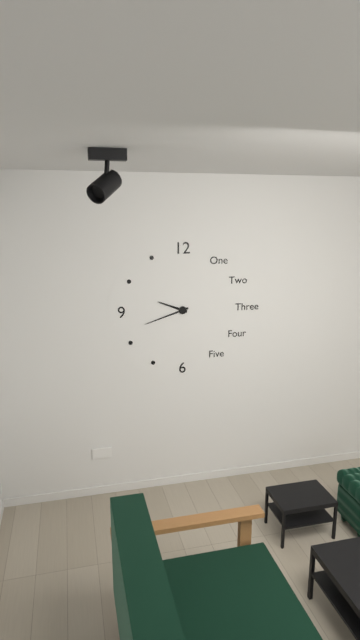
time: 9.42
